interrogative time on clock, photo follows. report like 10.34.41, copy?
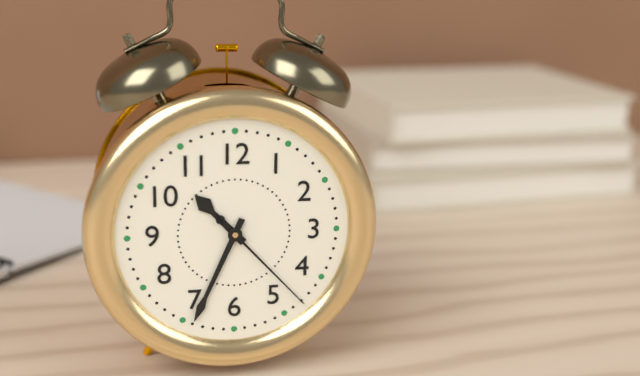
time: 10.34.23
